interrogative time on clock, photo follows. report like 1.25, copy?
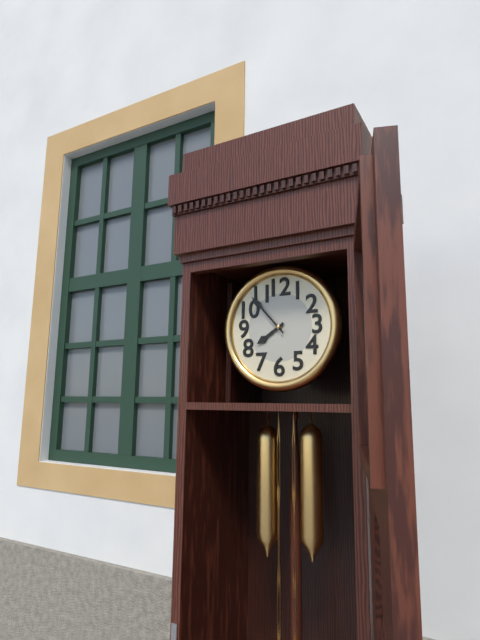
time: 7.53
